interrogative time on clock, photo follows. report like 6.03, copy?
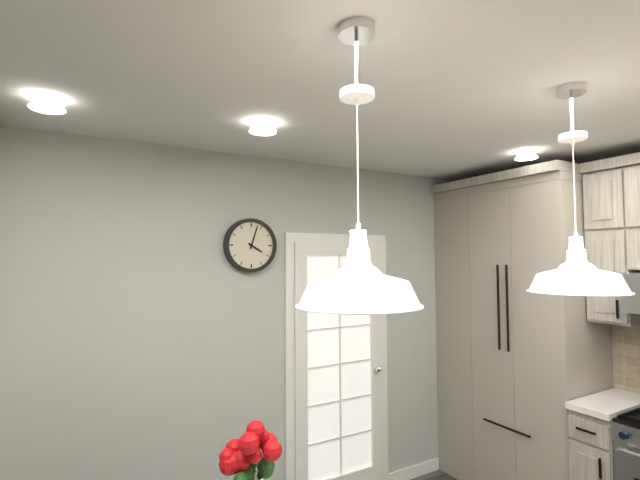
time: 4.03
